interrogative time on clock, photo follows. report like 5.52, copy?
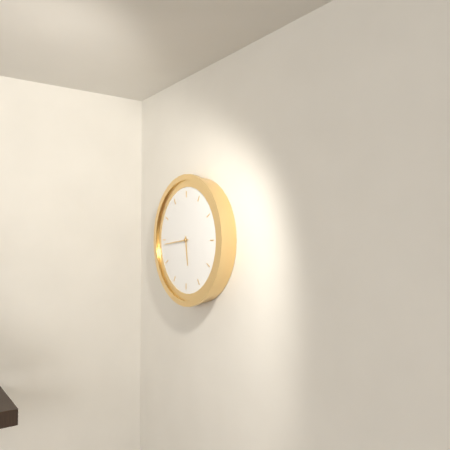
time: 5.44
